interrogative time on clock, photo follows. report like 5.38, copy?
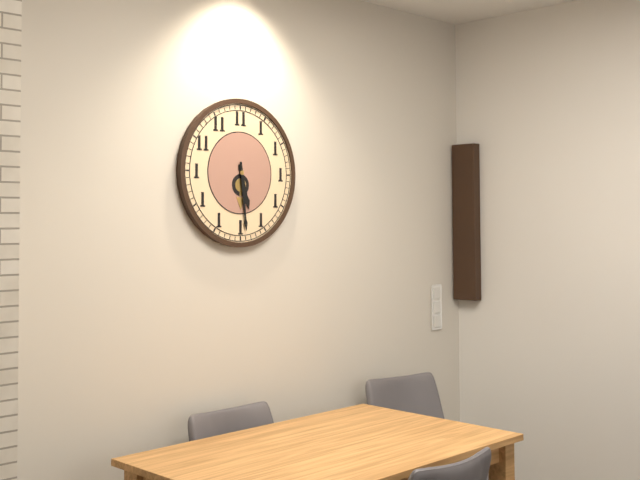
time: 5.29
